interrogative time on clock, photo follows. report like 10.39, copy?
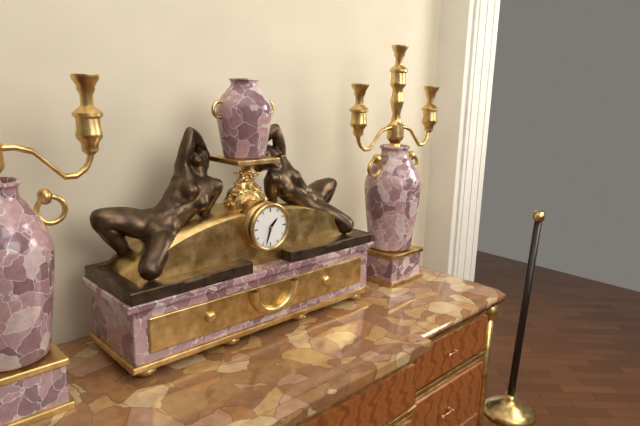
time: 1.33
